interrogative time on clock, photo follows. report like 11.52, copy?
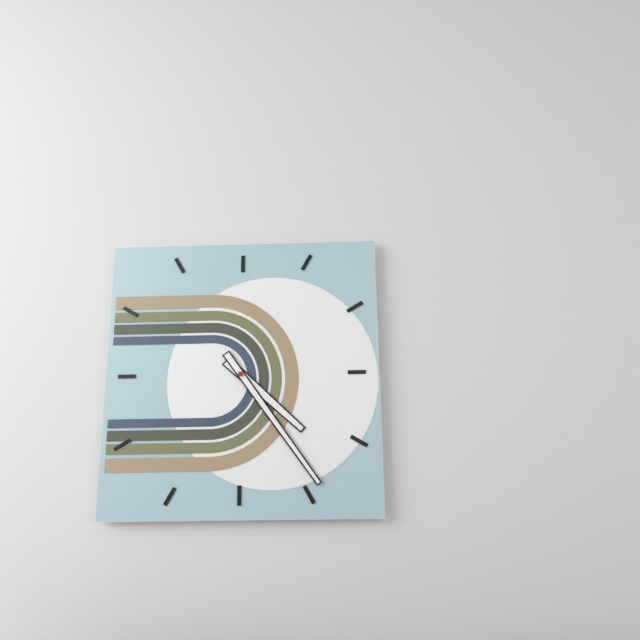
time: 4.24
